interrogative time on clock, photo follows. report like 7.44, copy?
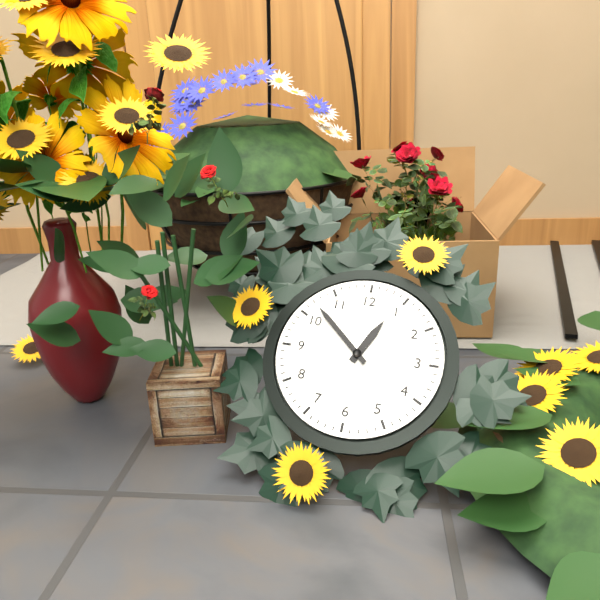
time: 12.52
